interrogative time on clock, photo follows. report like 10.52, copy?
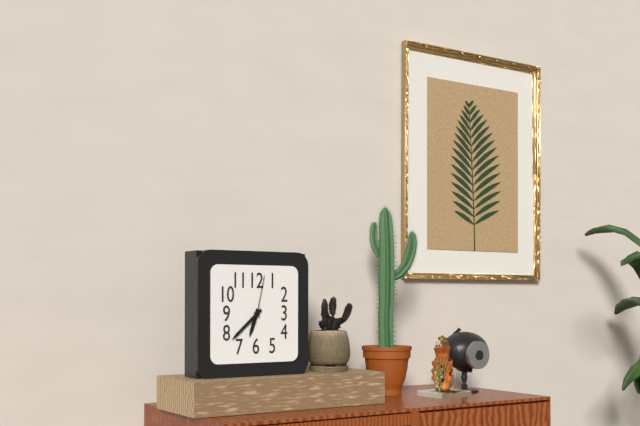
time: 6.38
